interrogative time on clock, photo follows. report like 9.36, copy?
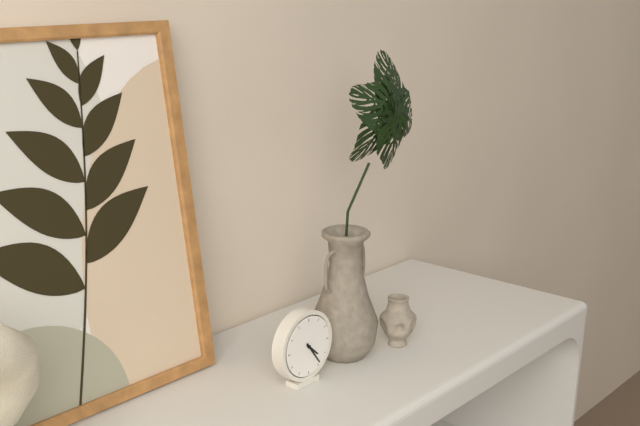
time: 4.24
